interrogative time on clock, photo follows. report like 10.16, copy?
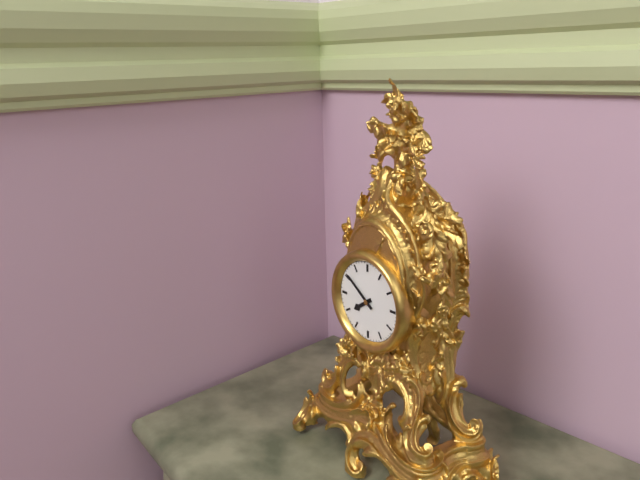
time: 7.51
